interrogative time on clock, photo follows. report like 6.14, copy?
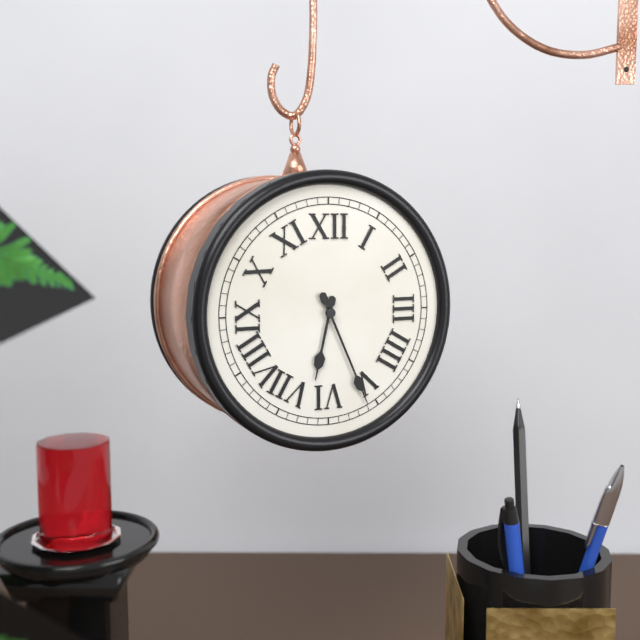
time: 6.26
